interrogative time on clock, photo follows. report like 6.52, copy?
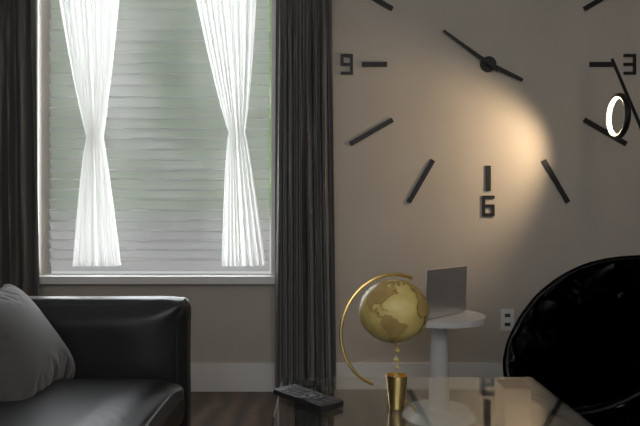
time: 3.51
